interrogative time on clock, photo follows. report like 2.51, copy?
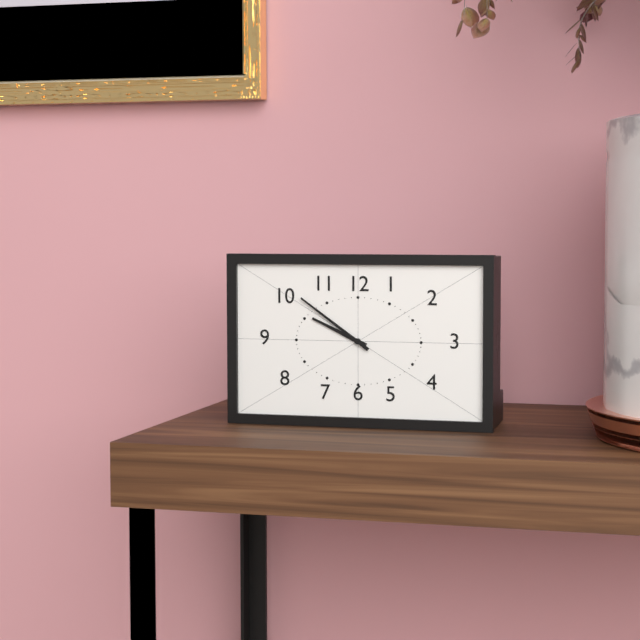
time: 9.51
